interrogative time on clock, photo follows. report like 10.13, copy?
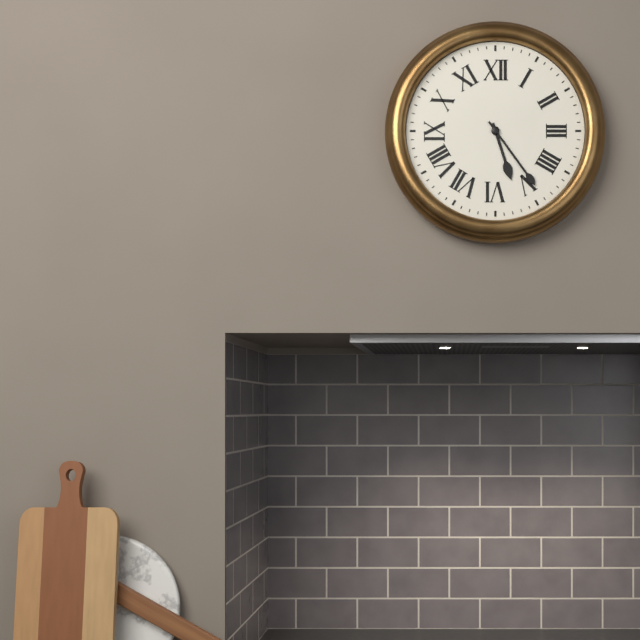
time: 5.24
